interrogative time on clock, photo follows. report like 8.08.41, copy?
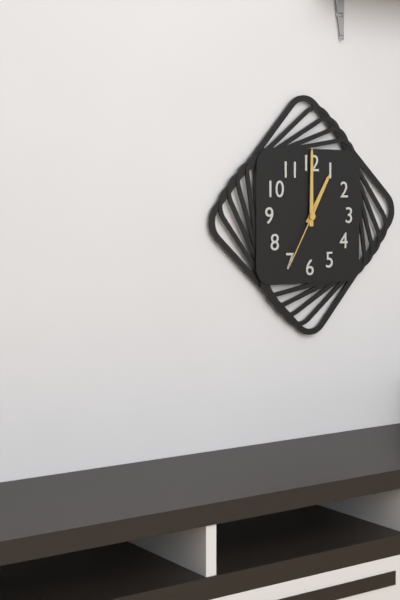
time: 1.00.35
